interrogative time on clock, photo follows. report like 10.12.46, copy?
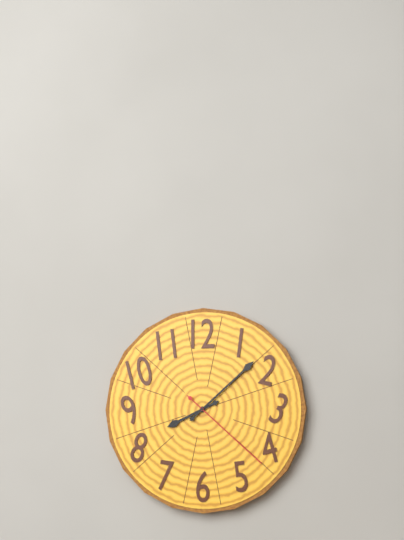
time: 8.08.22
